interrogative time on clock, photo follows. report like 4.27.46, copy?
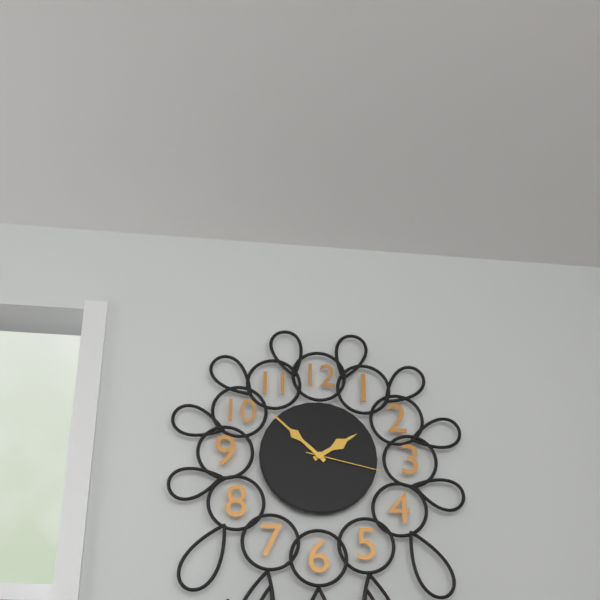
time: 1.52.17
